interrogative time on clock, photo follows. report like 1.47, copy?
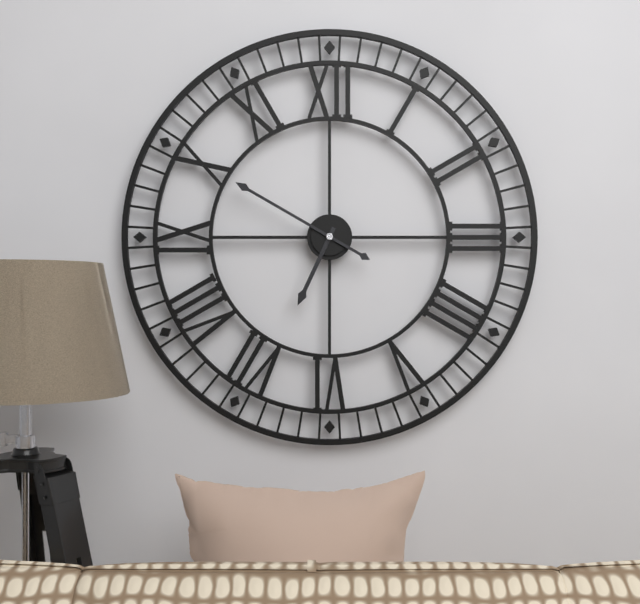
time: 6.50
